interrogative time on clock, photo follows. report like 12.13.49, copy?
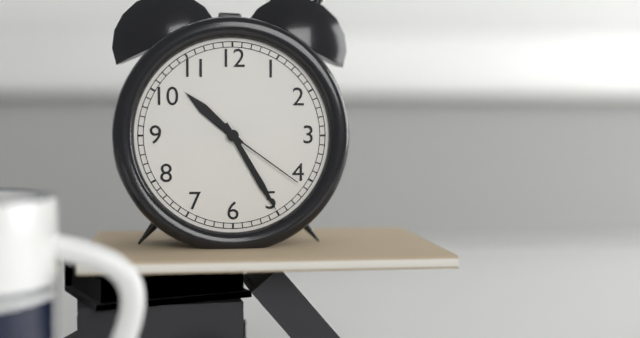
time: 10.25.21
